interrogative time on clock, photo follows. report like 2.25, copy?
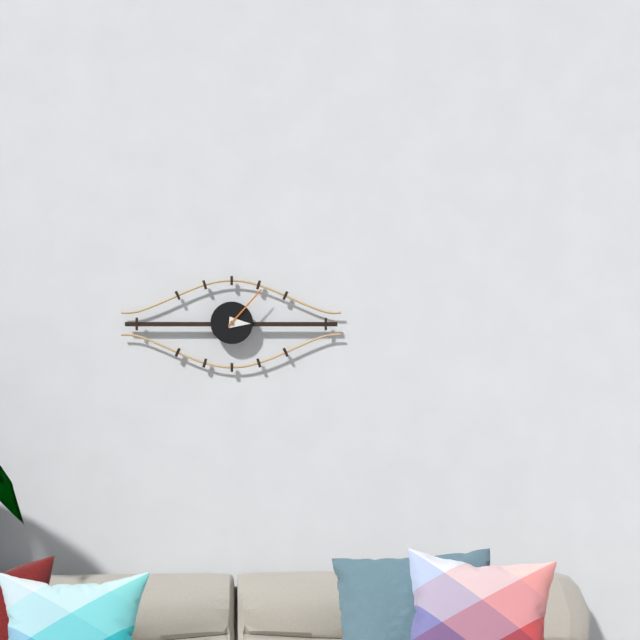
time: 3.07
